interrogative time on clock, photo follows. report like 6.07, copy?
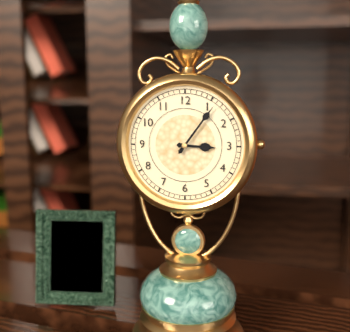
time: 3.06
